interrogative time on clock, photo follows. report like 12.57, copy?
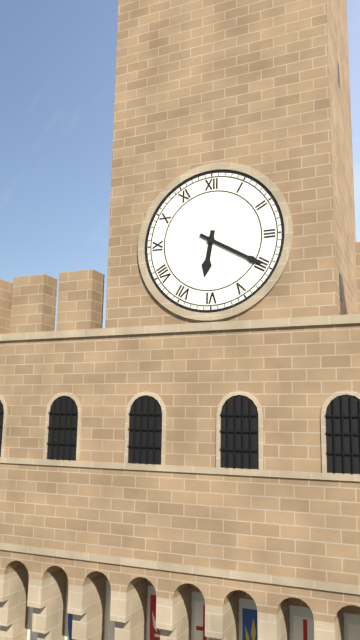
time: 6.20
